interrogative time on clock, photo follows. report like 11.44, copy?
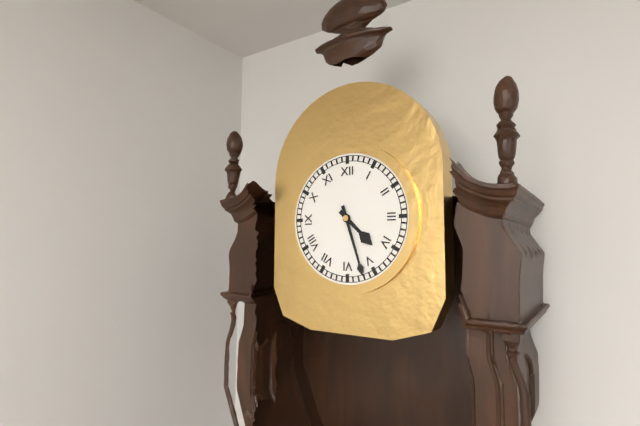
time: 4.27
